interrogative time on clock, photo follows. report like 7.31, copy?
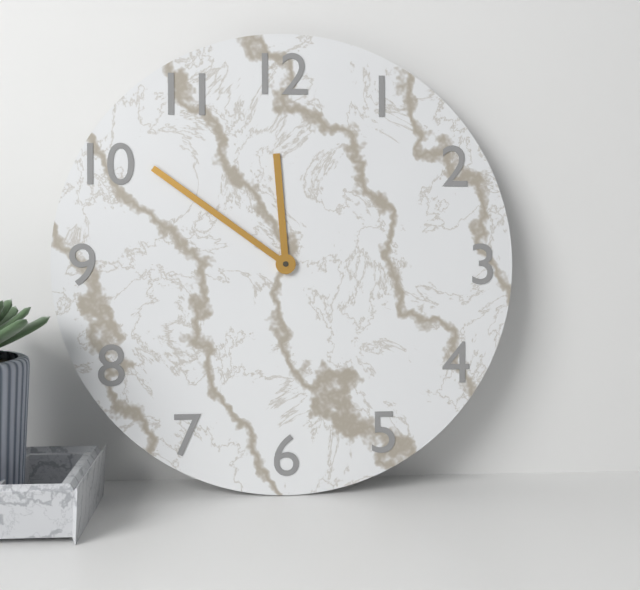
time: 11.51
